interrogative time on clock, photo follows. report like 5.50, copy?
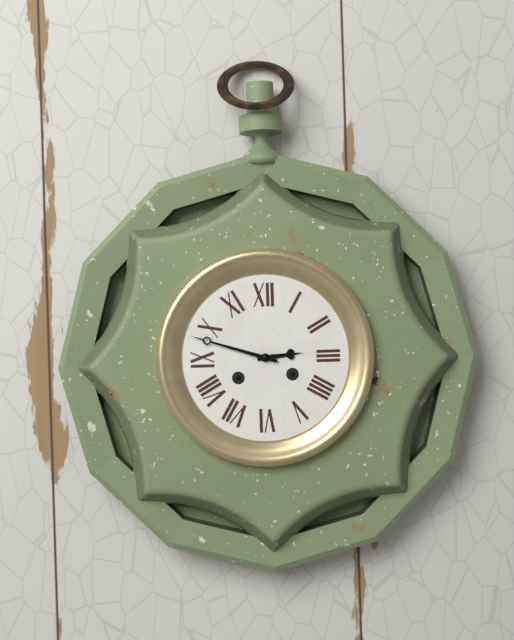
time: 2.48
